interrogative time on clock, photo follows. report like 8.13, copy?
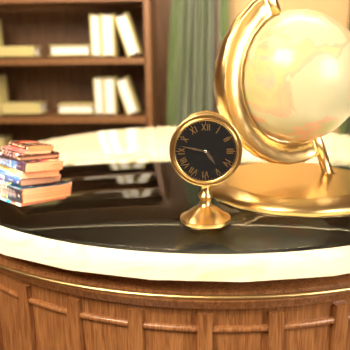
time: 4.47
